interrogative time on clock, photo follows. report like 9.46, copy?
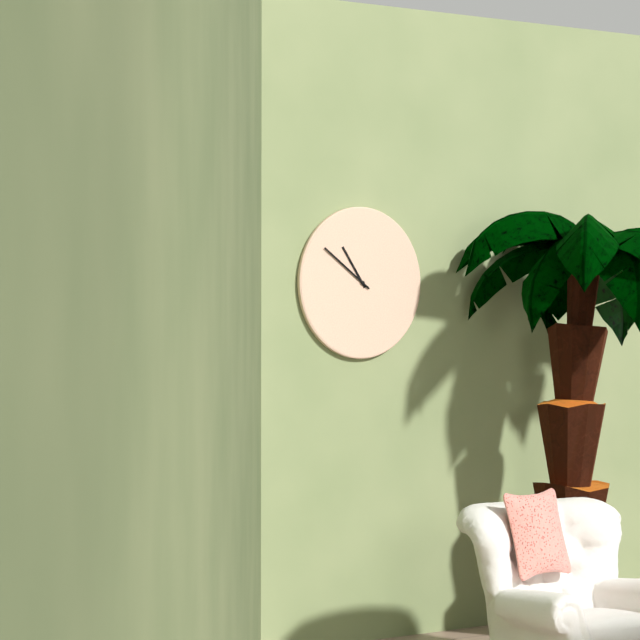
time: 10.51
